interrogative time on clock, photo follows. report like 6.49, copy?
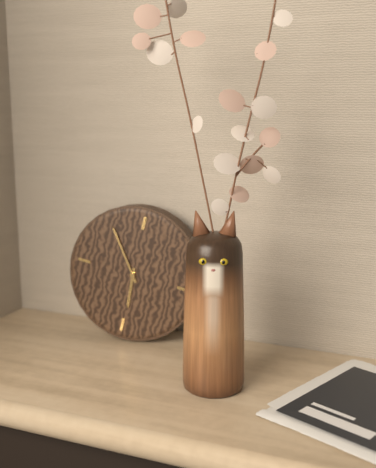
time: 5.54
